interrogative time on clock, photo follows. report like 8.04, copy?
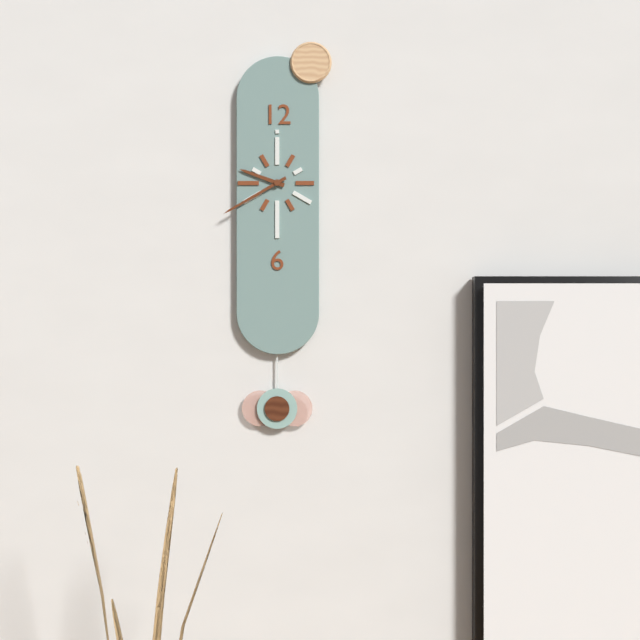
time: 9.40
